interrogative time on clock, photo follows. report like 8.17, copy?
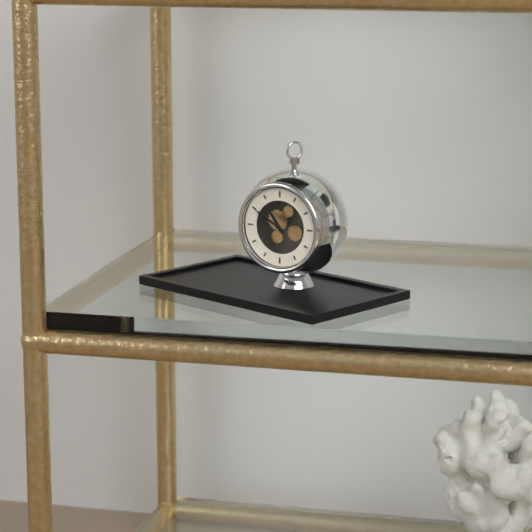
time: 10.50
